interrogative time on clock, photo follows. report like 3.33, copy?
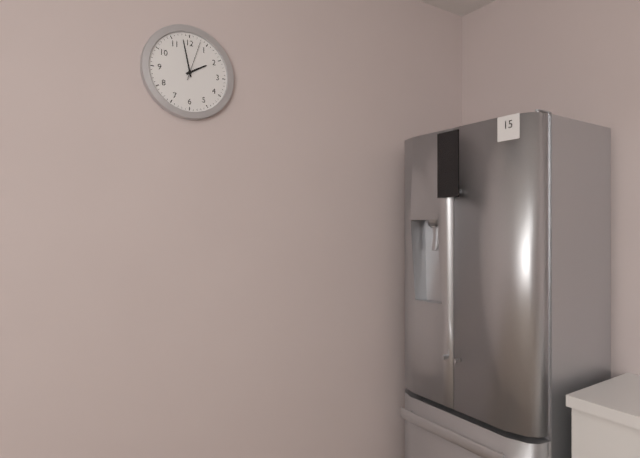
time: 1.58
